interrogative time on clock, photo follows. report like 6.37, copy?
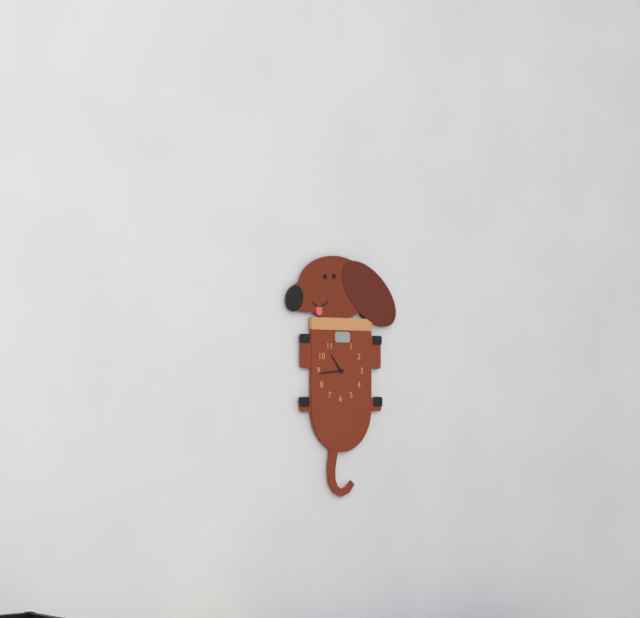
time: 10.44
